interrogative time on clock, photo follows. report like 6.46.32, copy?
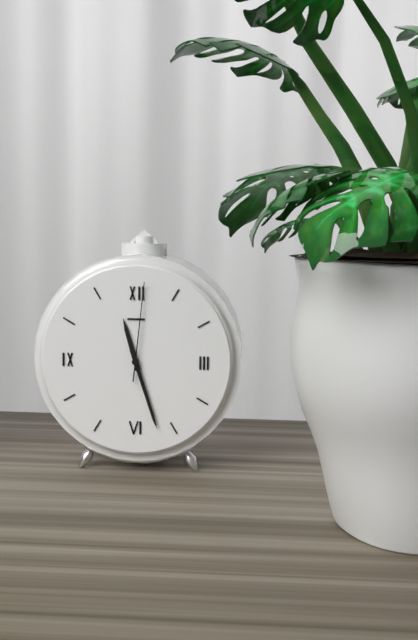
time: 11.27.01
